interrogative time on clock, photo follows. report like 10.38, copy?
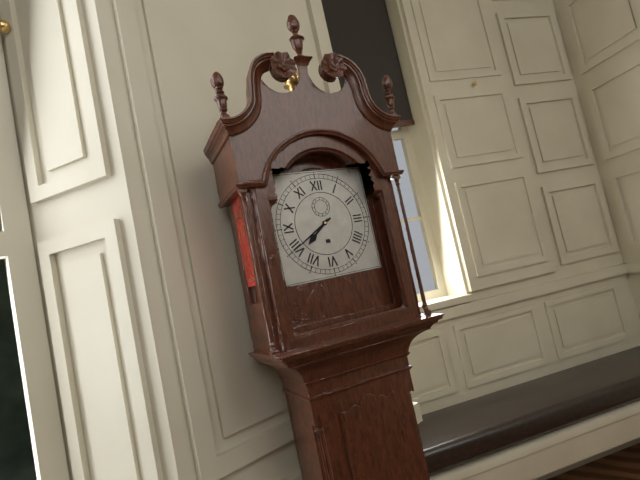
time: 7.40
